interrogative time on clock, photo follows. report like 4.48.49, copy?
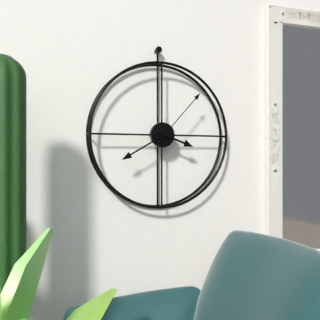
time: 3.40.07
